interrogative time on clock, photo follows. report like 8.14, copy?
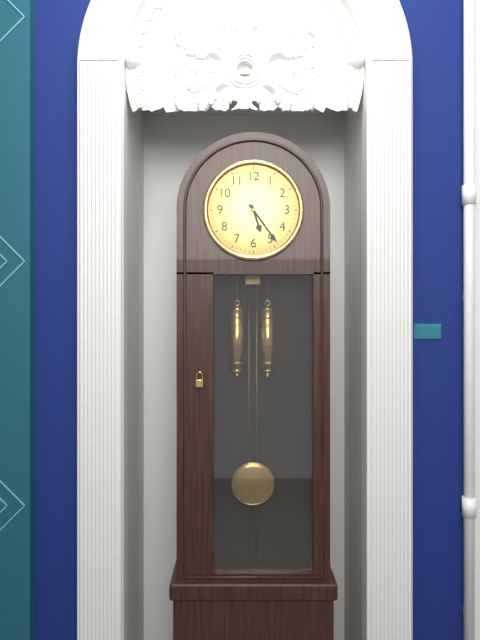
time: 5.24
